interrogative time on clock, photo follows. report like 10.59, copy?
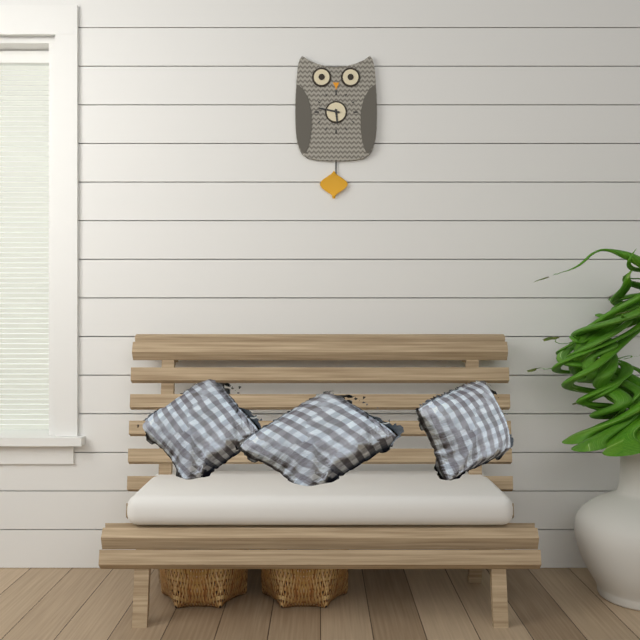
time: 5.47
